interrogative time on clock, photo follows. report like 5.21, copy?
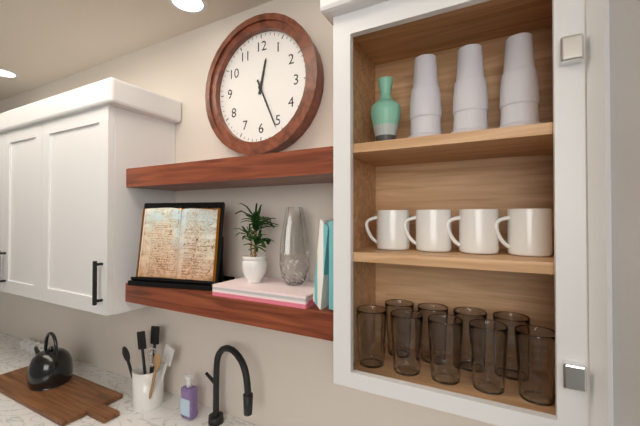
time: 12.26
